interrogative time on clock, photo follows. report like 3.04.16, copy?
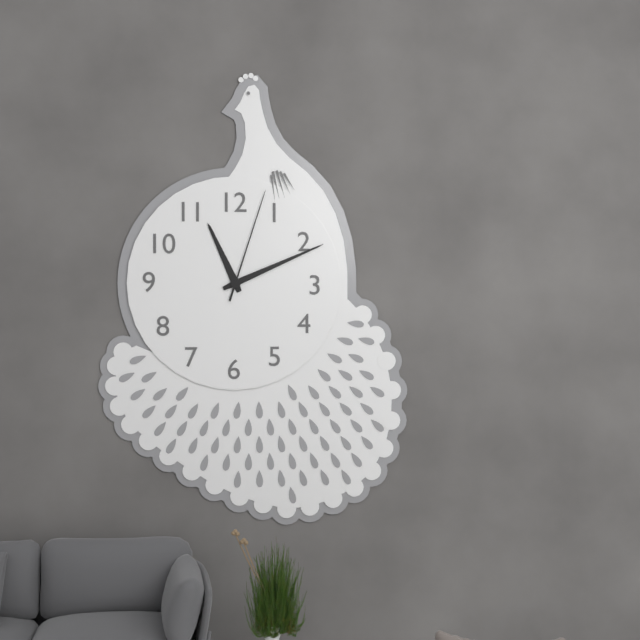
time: 11.11.03
